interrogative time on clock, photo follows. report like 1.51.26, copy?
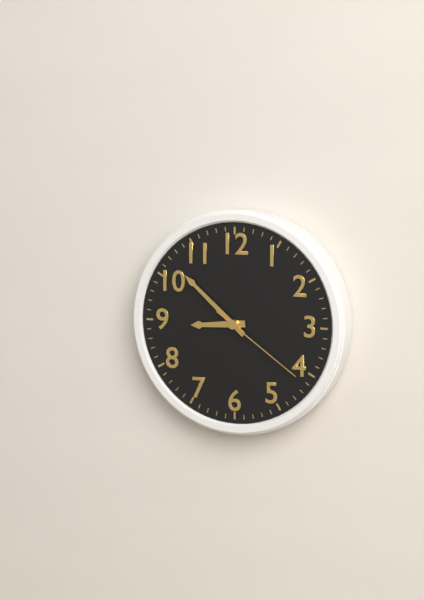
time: 8.52.21
